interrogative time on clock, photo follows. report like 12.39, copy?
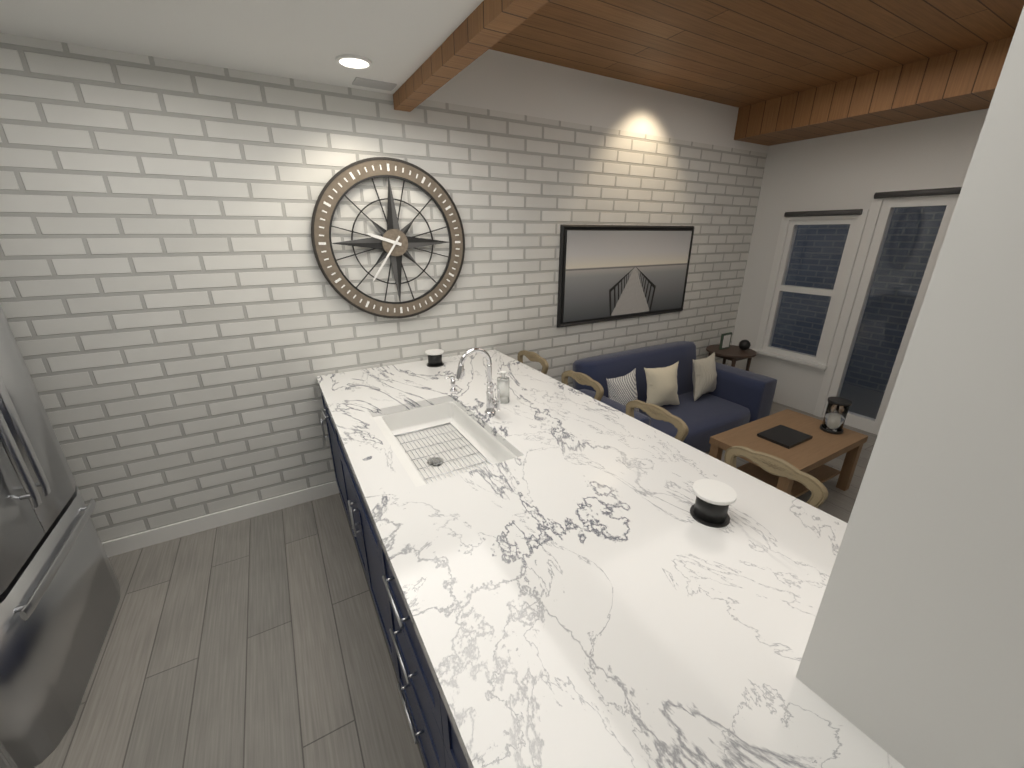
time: 9.36
